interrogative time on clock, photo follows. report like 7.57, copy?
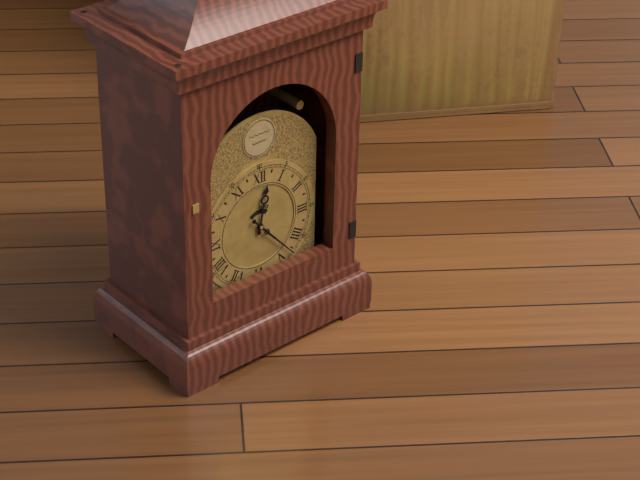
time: 12.23
